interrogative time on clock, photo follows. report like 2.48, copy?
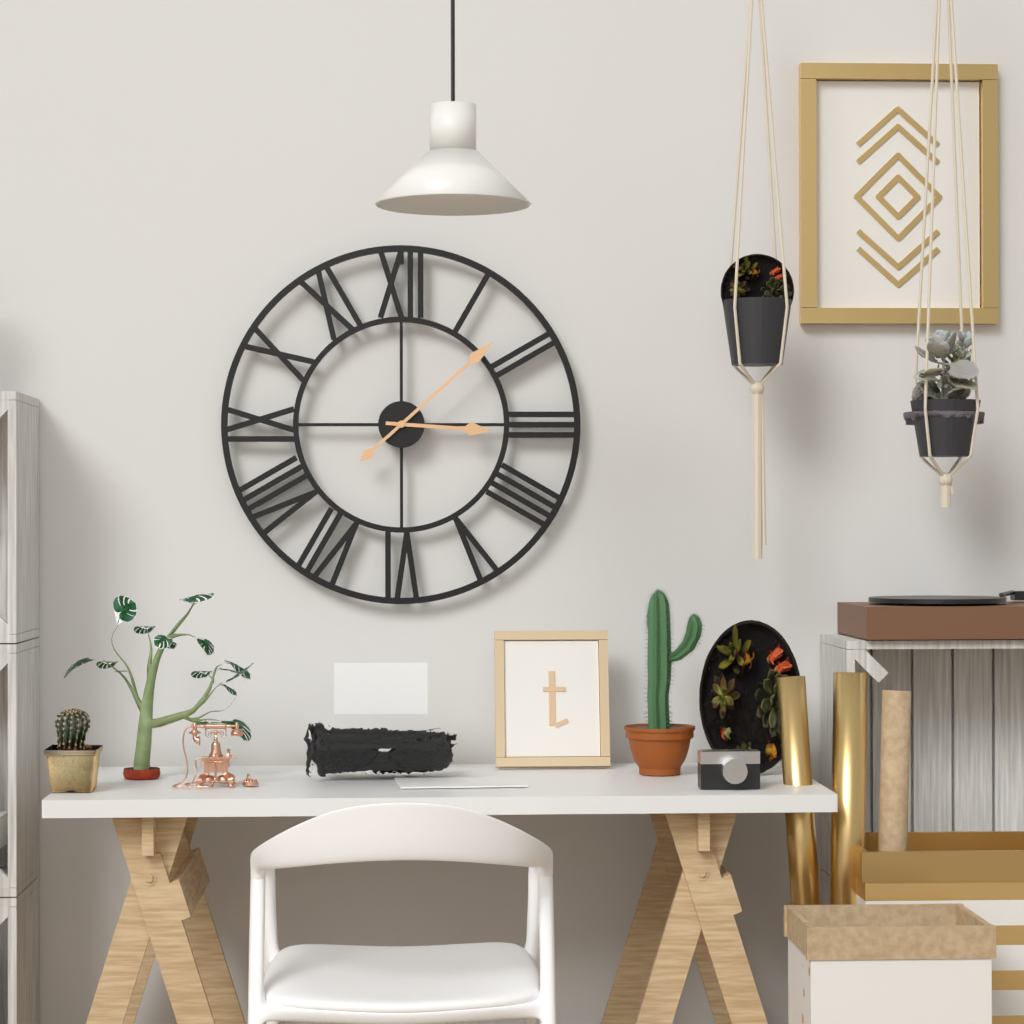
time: 3.08
